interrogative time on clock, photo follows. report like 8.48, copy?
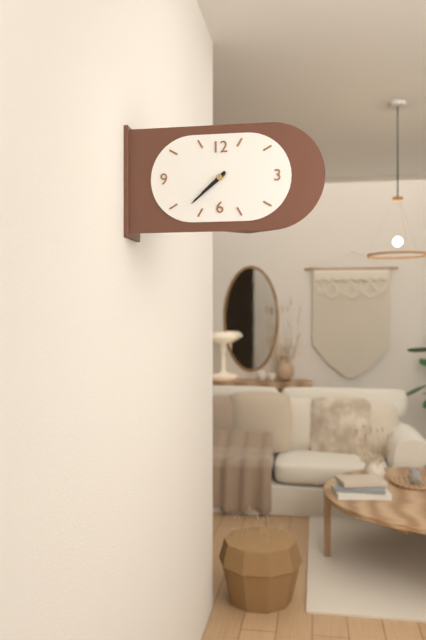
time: 7.38
